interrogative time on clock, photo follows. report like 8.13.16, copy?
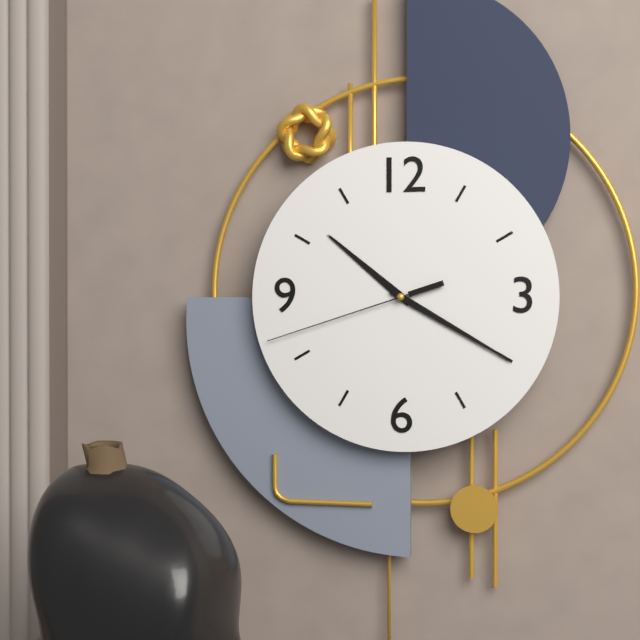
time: 10.20.42
